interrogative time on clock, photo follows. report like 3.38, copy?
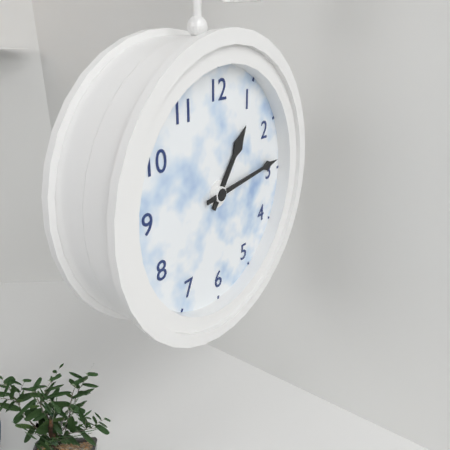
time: 1.14
